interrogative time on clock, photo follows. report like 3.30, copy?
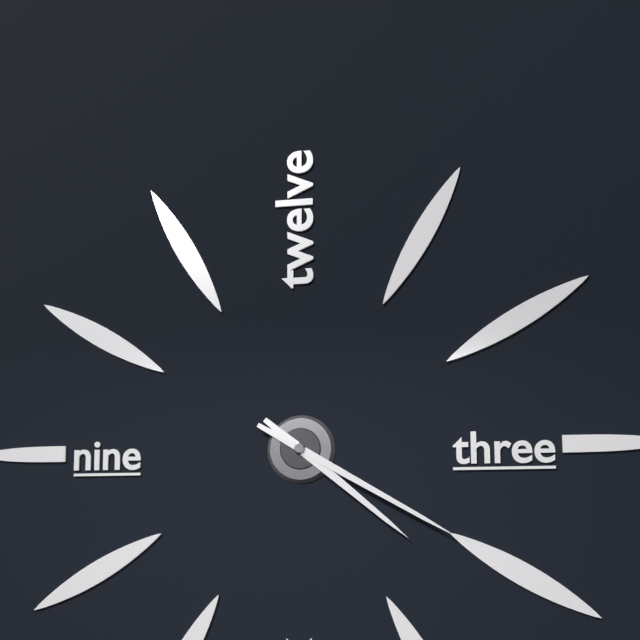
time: 4.20
